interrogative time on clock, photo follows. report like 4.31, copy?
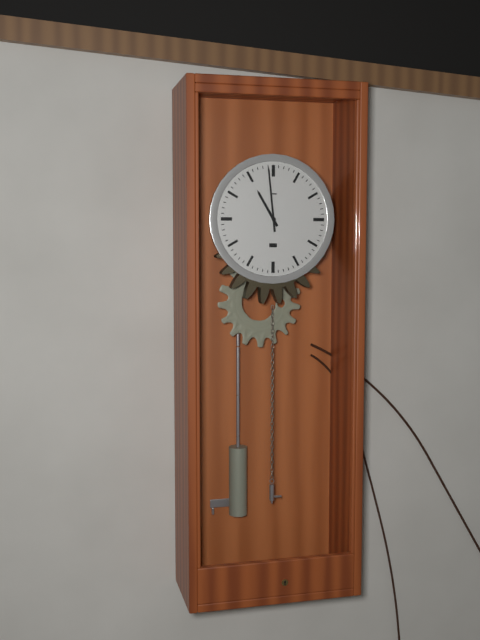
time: 10.59
